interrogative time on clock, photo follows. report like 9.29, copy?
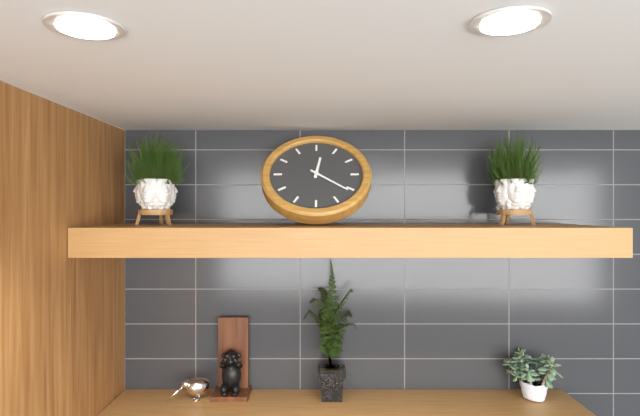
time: 12.21
